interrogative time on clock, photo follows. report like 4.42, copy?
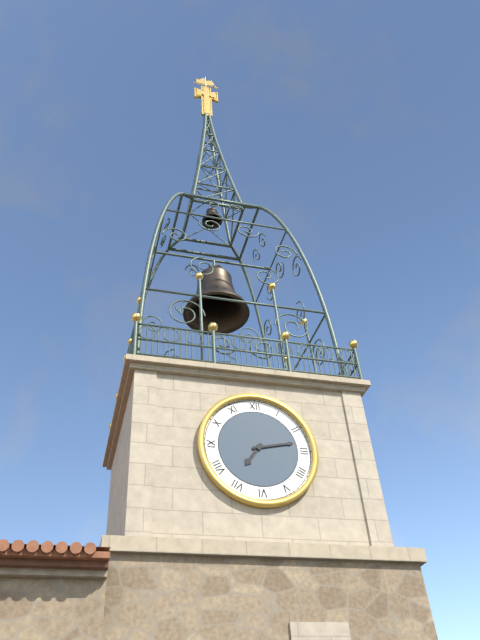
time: 7.13
